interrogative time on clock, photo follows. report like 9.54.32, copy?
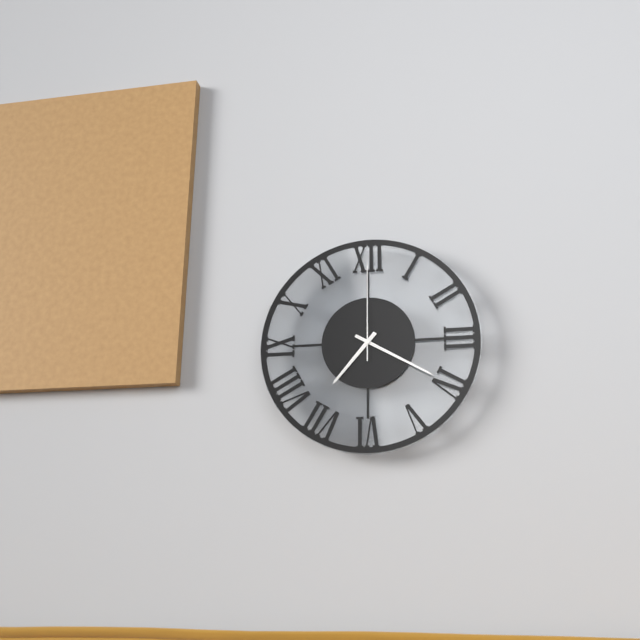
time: 7.20.00
